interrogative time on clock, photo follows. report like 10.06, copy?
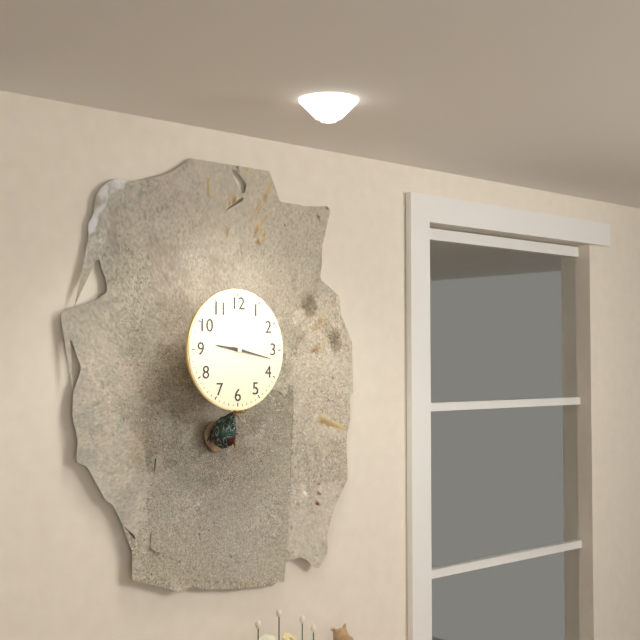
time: 9.17
